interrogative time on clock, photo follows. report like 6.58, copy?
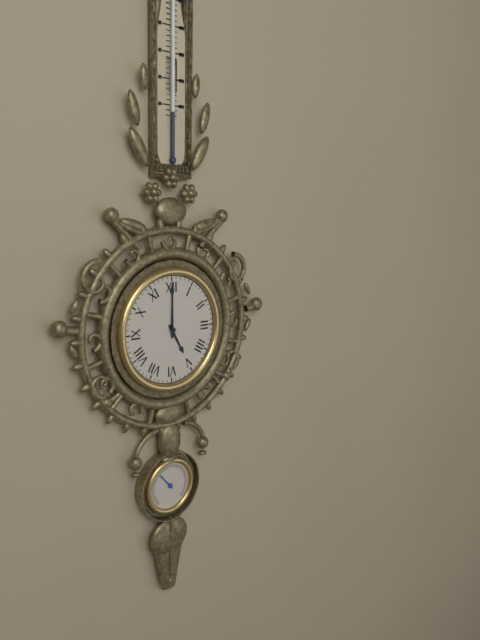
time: 5.00
